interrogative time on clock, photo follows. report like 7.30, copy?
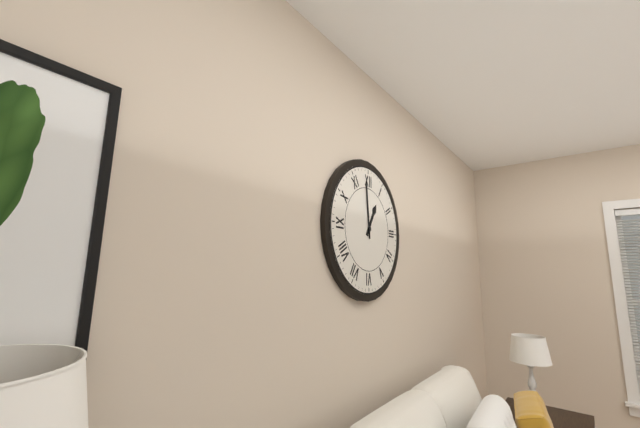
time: 12.59
